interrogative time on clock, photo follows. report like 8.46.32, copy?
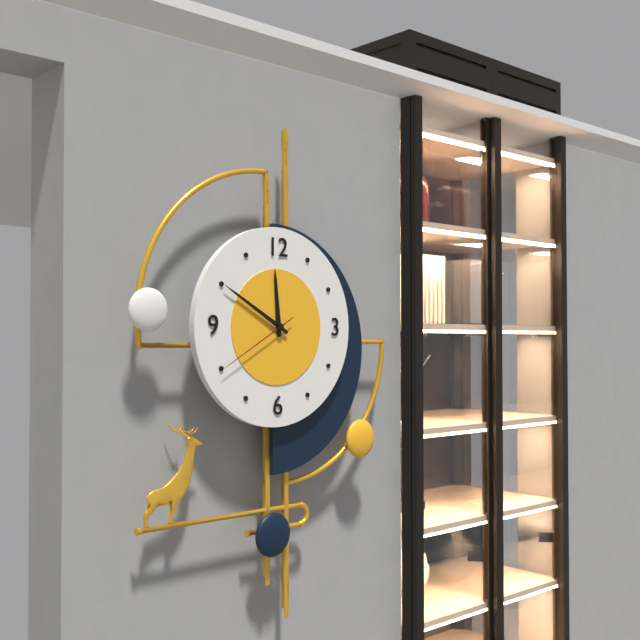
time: 11.50.40
